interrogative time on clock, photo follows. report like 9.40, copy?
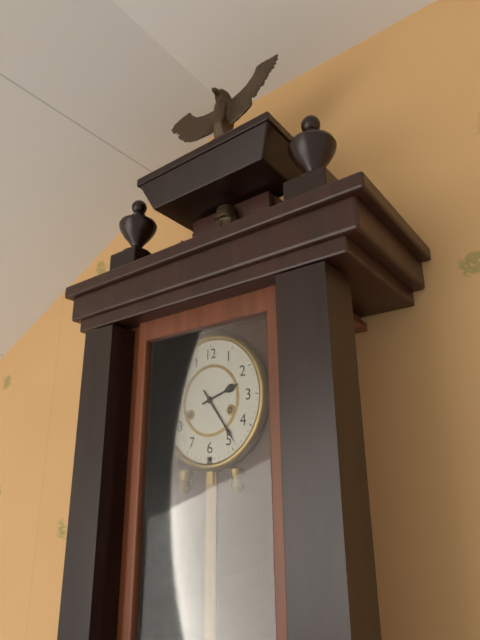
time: 2.24
